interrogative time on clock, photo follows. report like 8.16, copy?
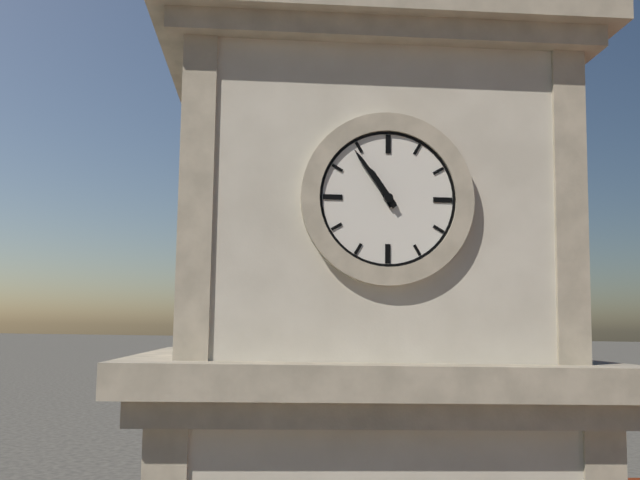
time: 10.54
